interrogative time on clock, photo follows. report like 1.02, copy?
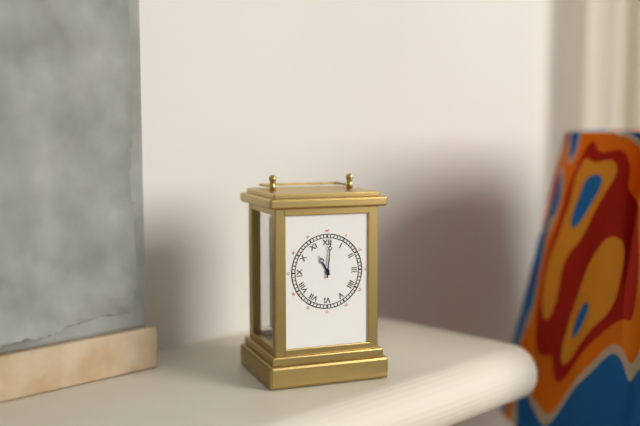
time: 11.01
